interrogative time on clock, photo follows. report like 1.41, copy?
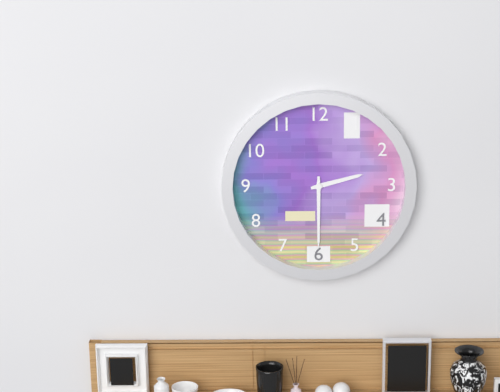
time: 2.30
